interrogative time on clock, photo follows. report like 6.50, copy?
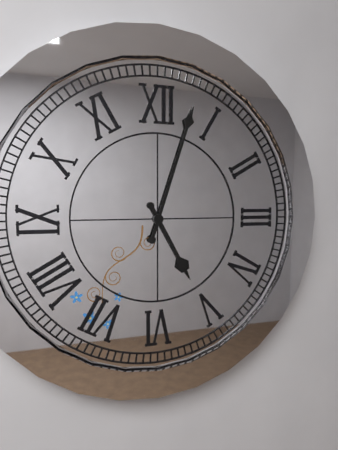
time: 5.03
